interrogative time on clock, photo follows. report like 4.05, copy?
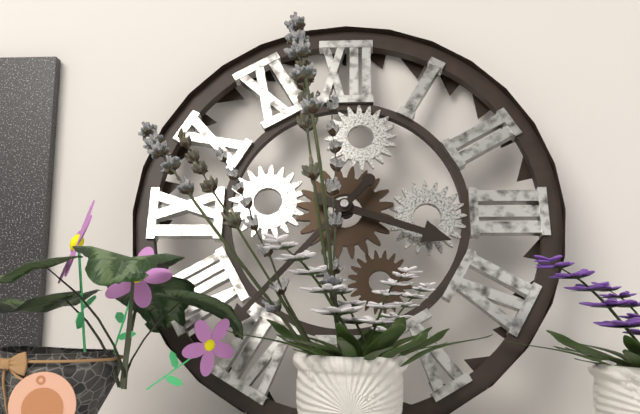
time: 3.37
